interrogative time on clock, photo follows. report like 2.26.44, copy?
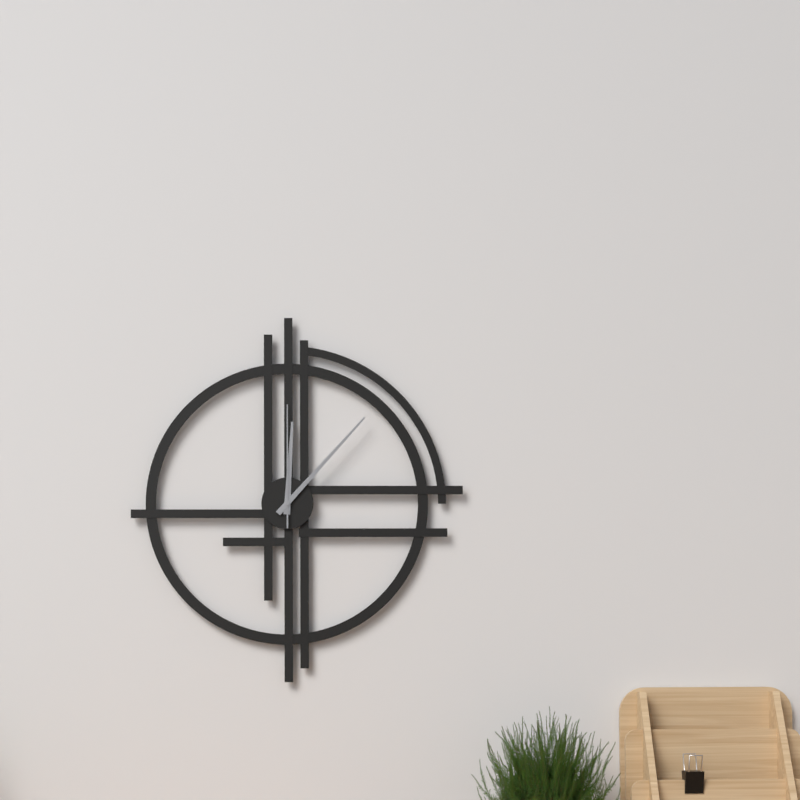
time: 12.07.00
